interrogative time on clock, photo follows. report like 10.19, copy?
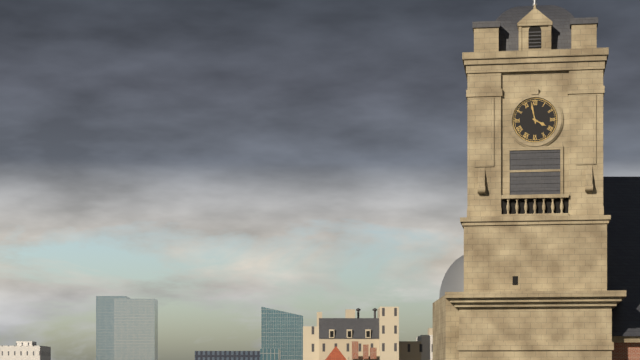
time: 3.58
